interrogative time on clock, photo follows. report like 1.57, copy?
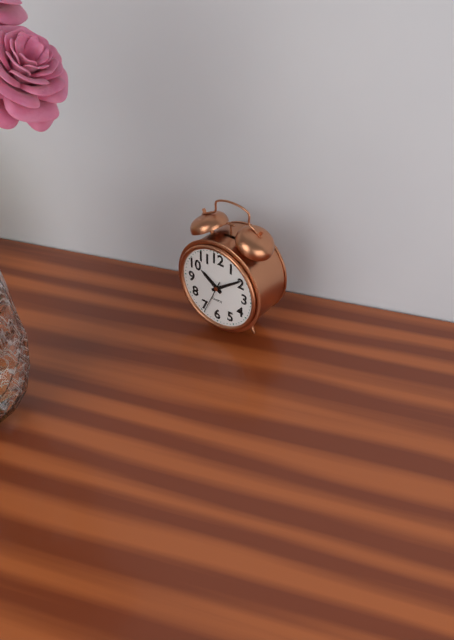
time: 10.09
